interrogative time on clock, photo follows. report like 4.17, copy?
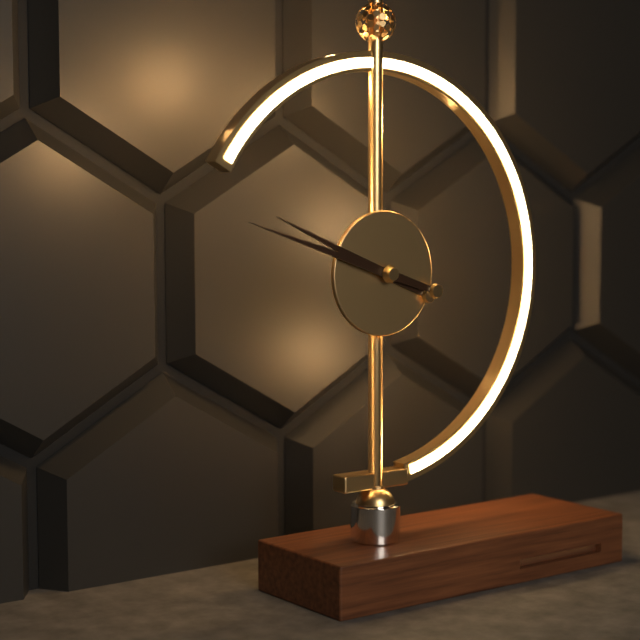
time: 9.48
